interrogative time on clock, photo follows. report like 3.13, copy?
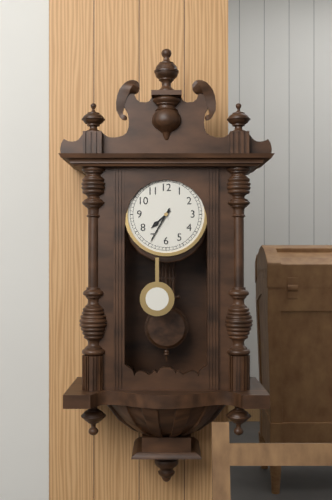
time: 7.35
